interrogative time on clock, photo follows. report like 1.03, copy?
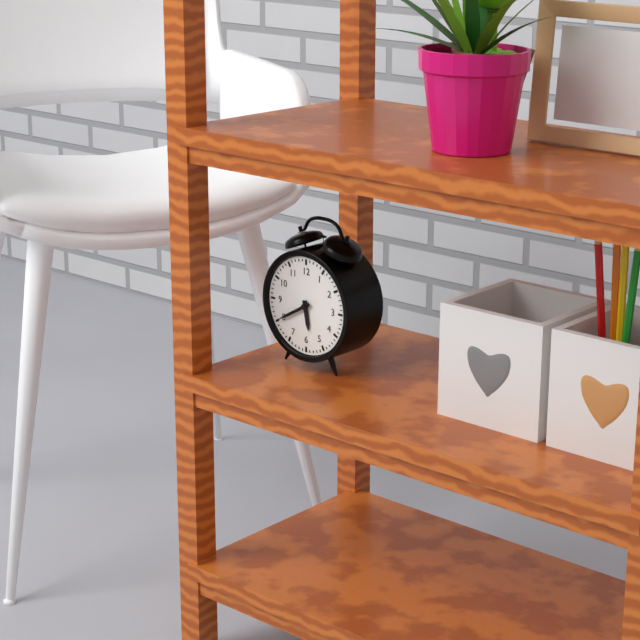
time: 5.40
